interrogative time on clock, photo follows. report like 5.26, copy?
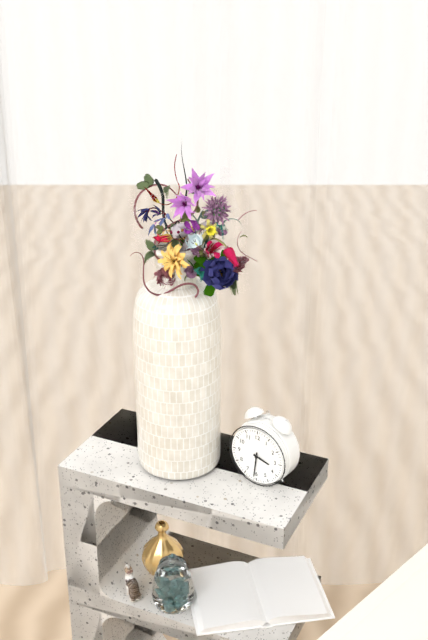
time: 3.31
